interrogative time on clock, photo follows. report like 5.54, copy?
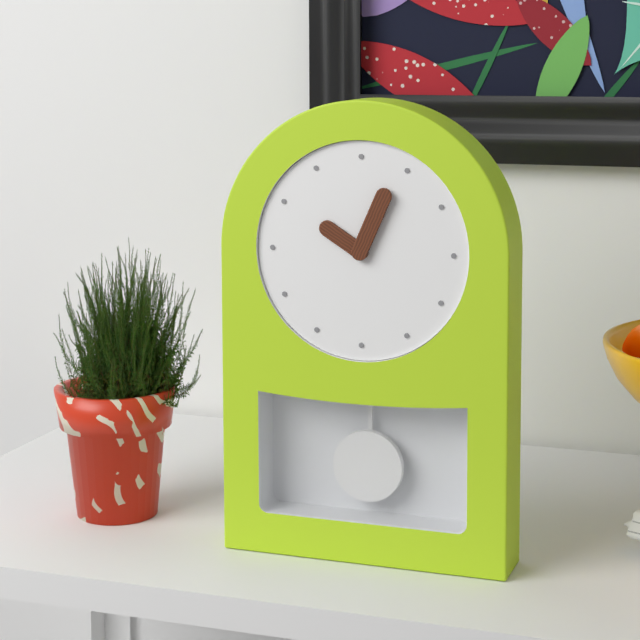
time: 10.04
